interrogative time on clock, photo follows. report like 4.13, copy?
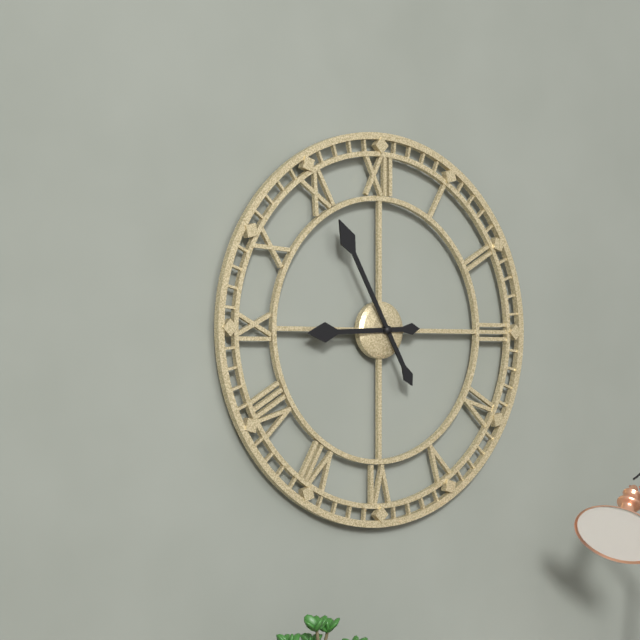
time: 8.55
